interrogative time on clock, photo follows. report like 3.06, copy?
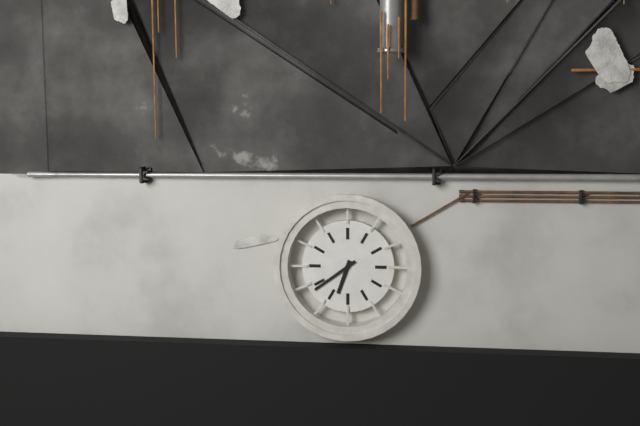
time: 6.39
